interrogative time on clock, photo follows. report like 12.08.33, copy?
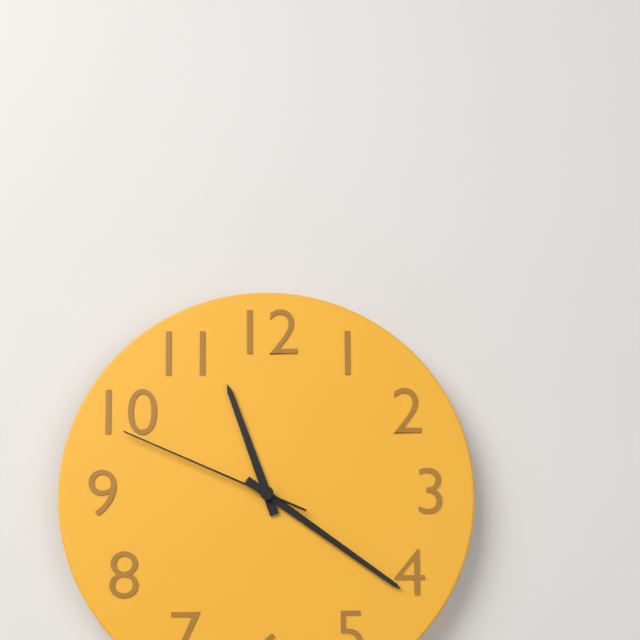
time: 11.21.49
